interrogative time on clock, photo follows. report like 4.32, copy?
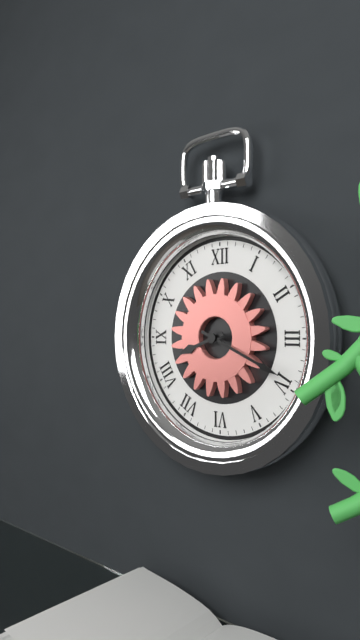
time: 8.19
